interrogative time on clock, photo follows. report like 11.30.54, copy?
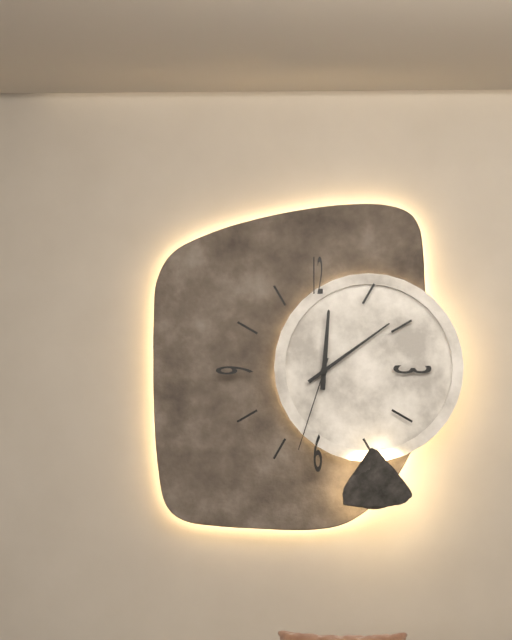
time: 12.09.33
